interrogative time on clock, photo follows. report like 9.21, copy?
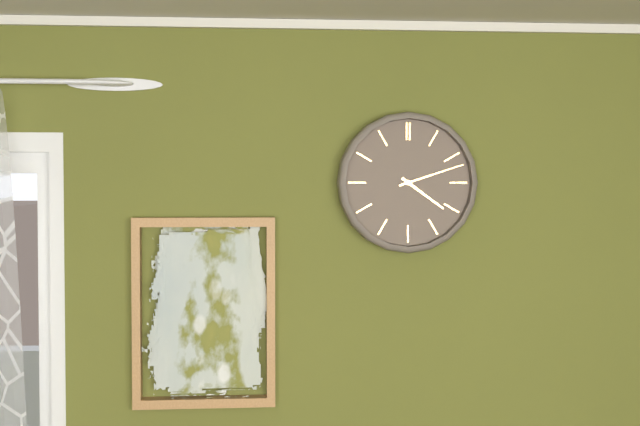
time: 4.12
